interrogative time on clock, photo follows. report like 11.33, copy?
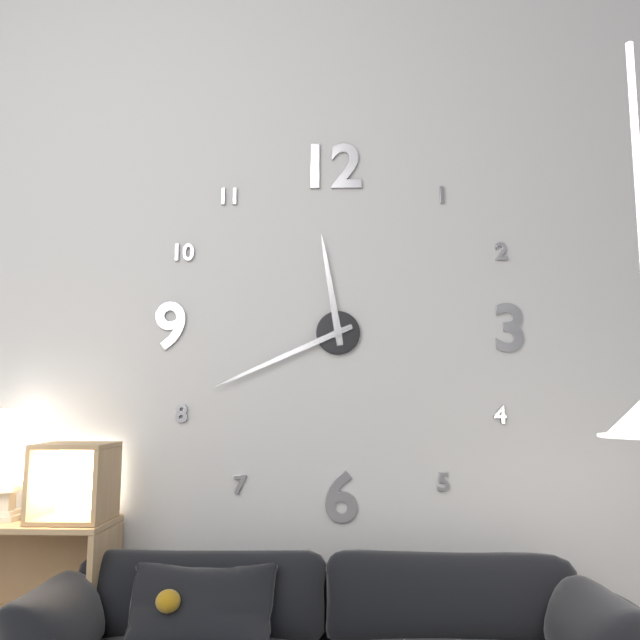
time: 11.41
